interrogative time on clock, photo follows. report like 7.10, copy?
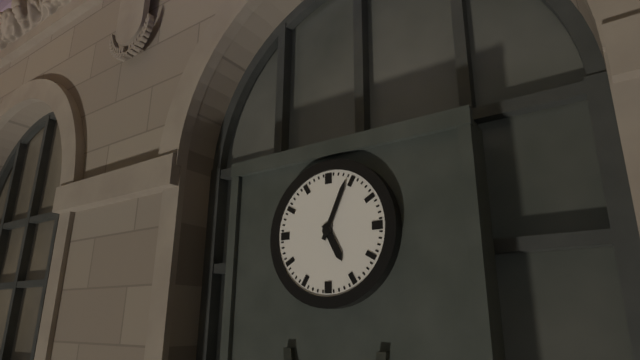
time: 5.04
